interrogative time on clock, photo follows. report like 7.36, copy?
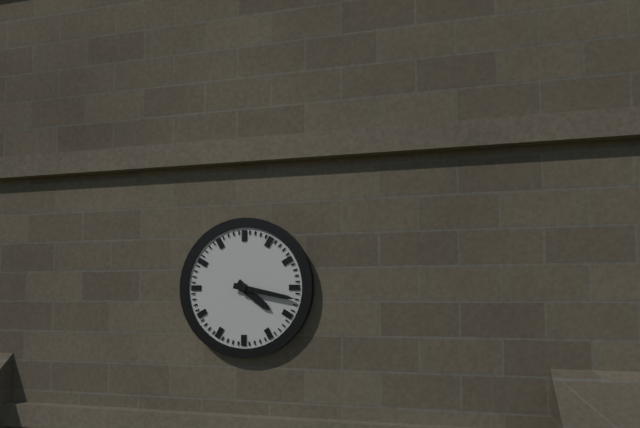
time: 4.17
